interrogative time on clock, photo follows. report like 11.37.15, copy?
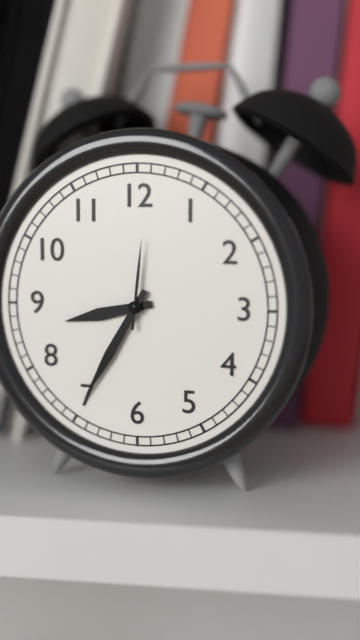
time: 8.35.01
